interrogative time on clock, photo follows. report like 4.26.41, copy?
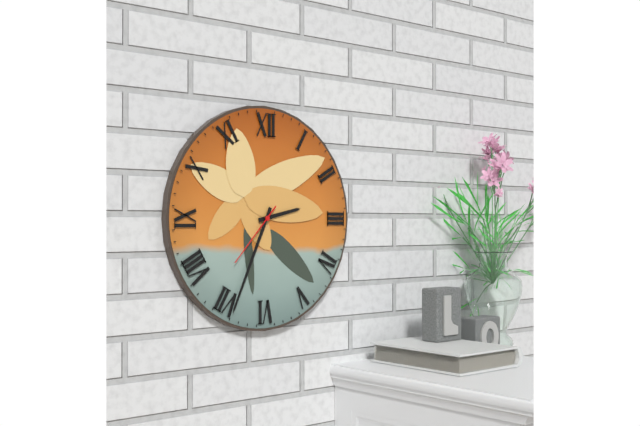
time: 2.34.37
